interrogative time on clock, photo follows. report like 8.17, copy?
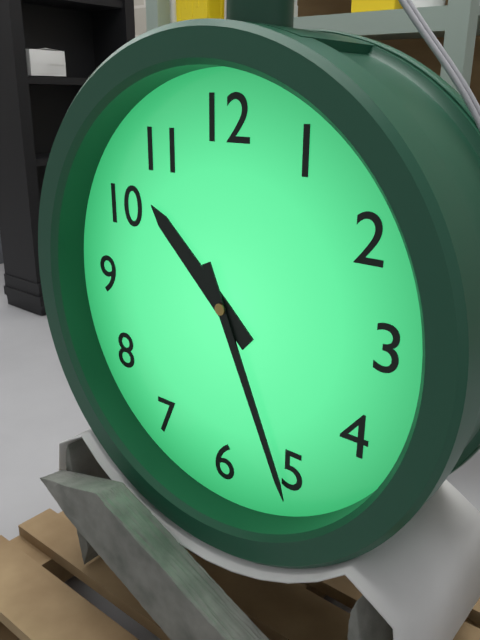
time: 10.26
